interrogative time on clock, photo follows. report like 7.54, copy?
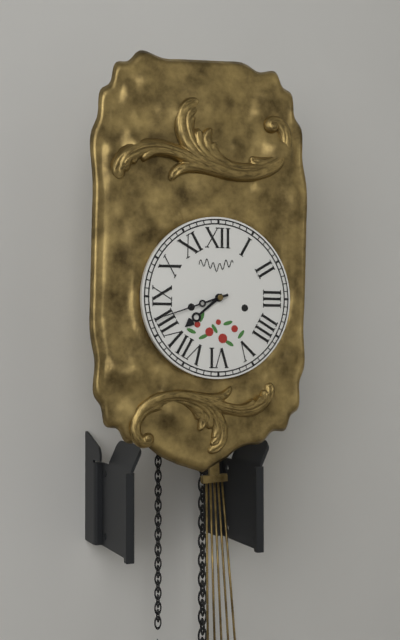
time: 7.42
